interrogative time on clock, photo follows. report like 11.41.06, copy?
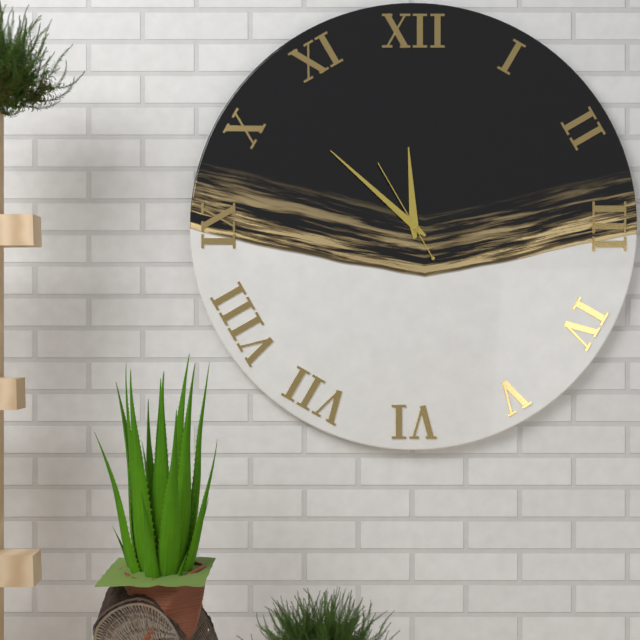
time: 11.52.55
